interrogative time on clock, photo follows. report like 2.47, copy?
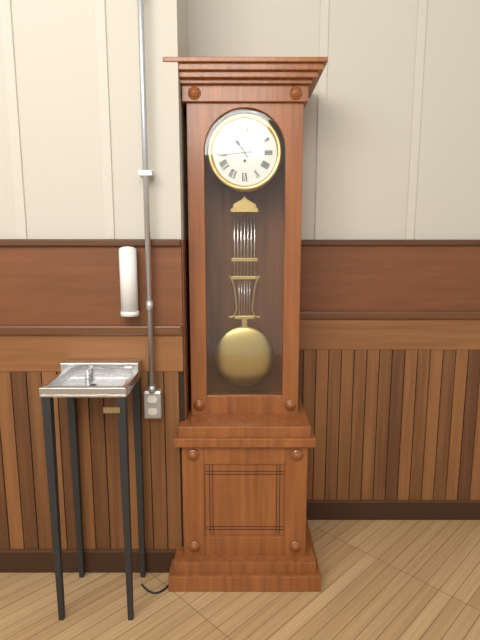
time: 10.44
